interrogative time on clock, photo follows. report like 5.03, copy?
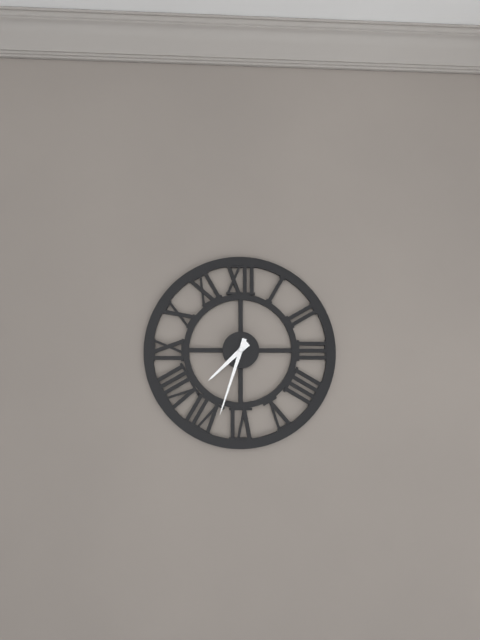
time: 7.33
